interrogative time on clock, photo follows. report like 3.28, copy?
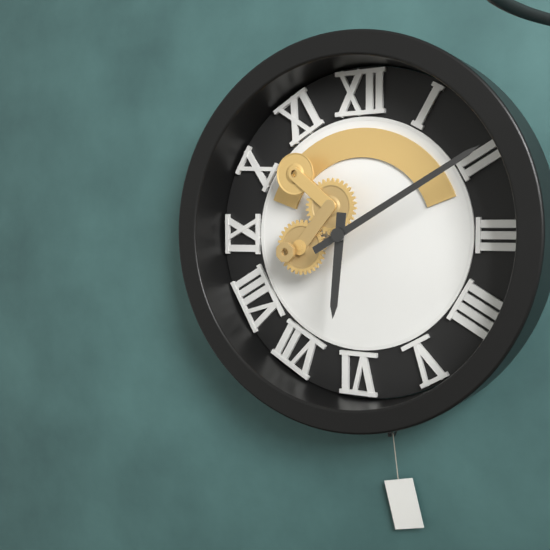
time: 6.10
